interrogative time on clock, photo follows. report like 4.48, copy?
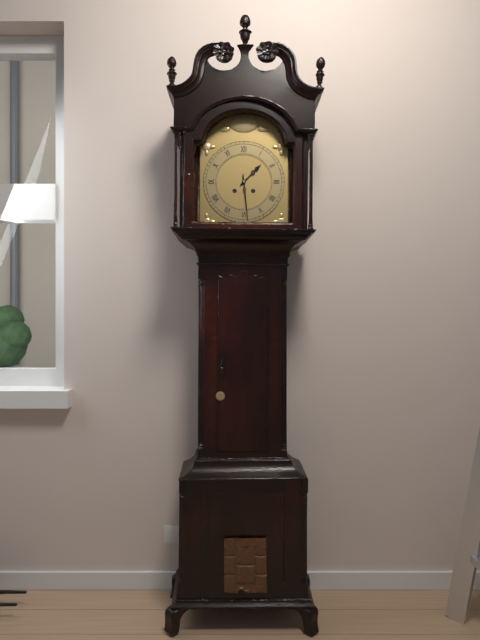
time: 1.29
